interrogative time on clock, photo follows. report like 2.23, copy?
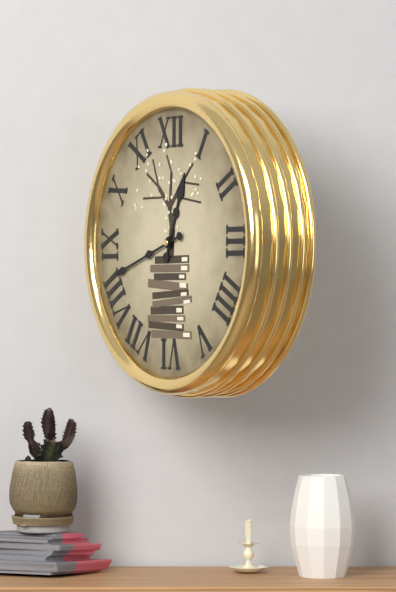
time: 12.42
